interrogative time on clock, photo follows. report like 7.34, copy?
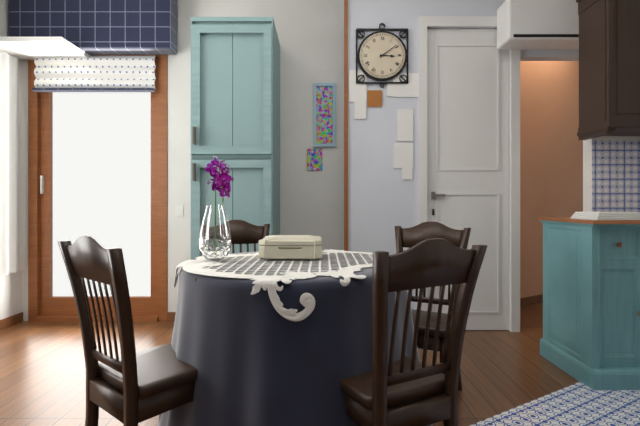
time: 3.09
